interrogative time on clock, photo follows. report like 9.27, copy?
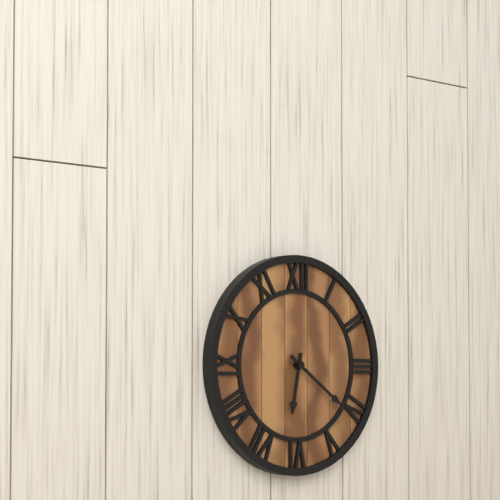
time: 6.21
